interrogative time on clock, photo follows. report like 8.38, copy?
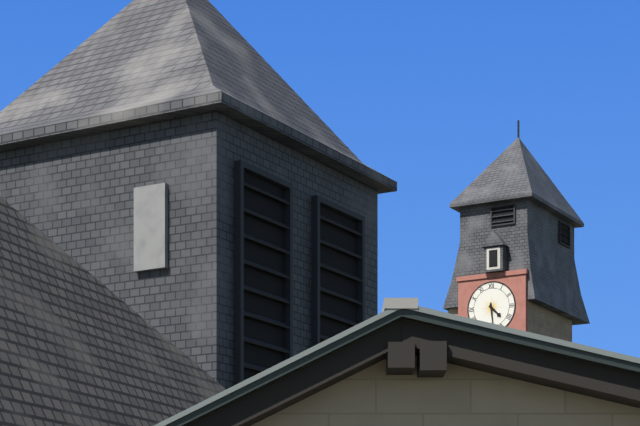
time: 4.29
